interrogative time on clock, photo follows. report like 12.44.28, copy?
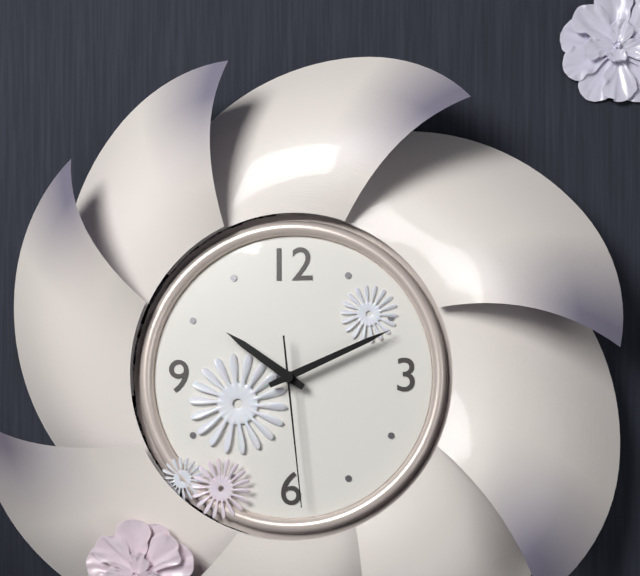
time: 10.11.29
